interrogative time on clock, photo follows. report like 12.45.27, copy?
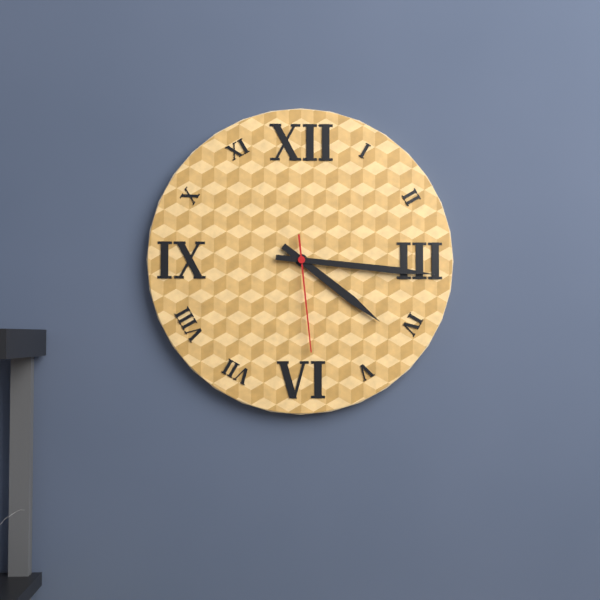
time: 4.16.29
